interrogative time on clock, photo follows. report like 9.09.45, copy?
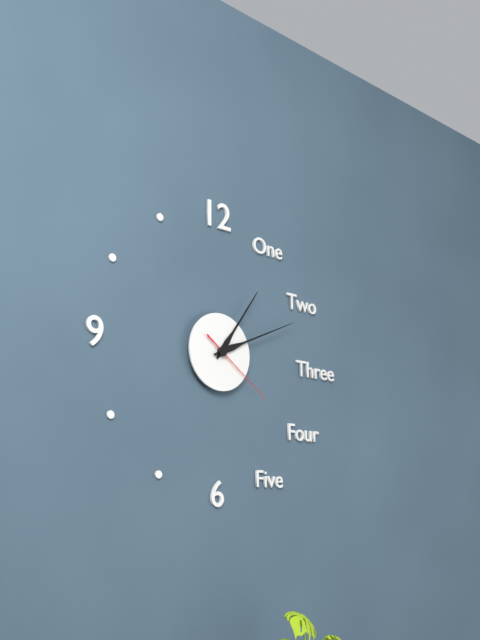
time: 1.11.21
